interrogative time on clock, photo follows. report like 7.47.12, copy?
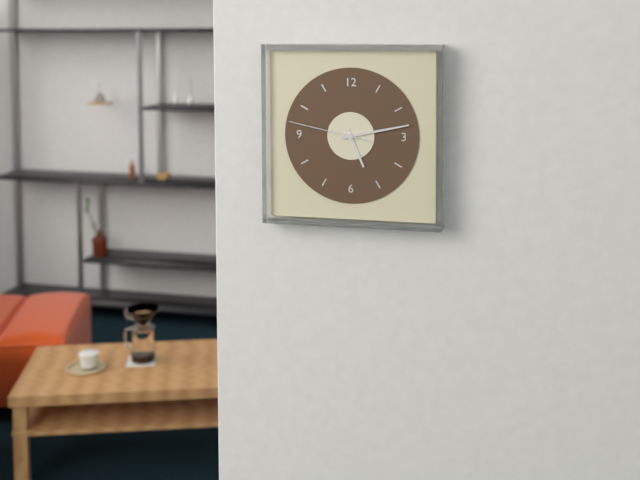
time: 5.13.47
